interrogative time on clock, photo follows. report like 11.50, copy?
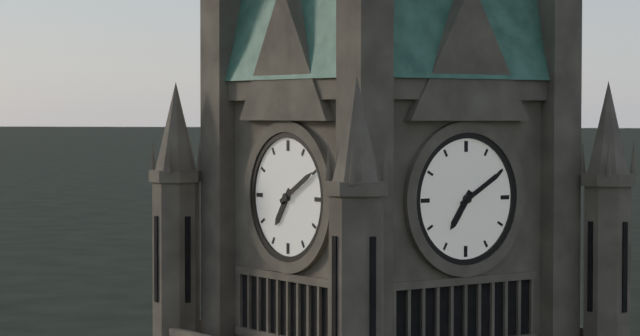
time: 7.10
